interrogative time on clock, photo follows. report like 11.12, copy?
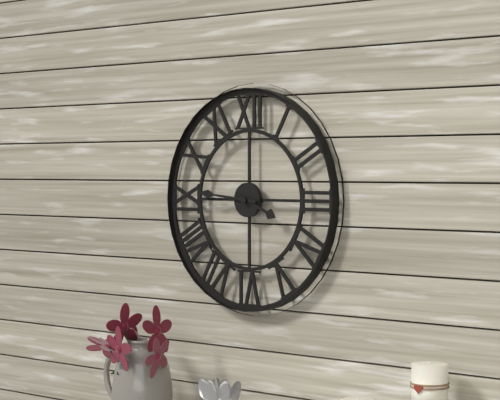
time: 3.46
